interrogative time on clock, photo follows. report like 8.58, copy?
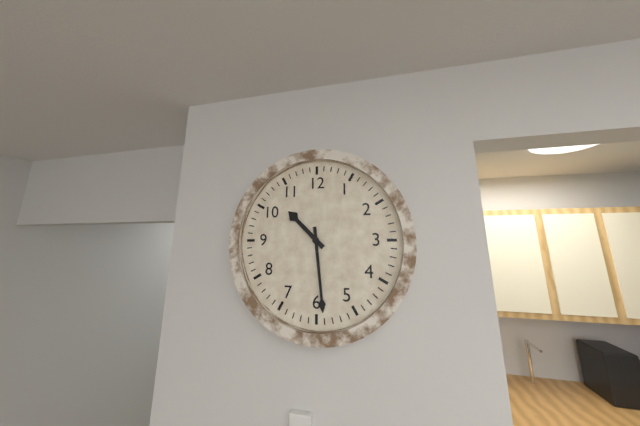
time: 10.29
